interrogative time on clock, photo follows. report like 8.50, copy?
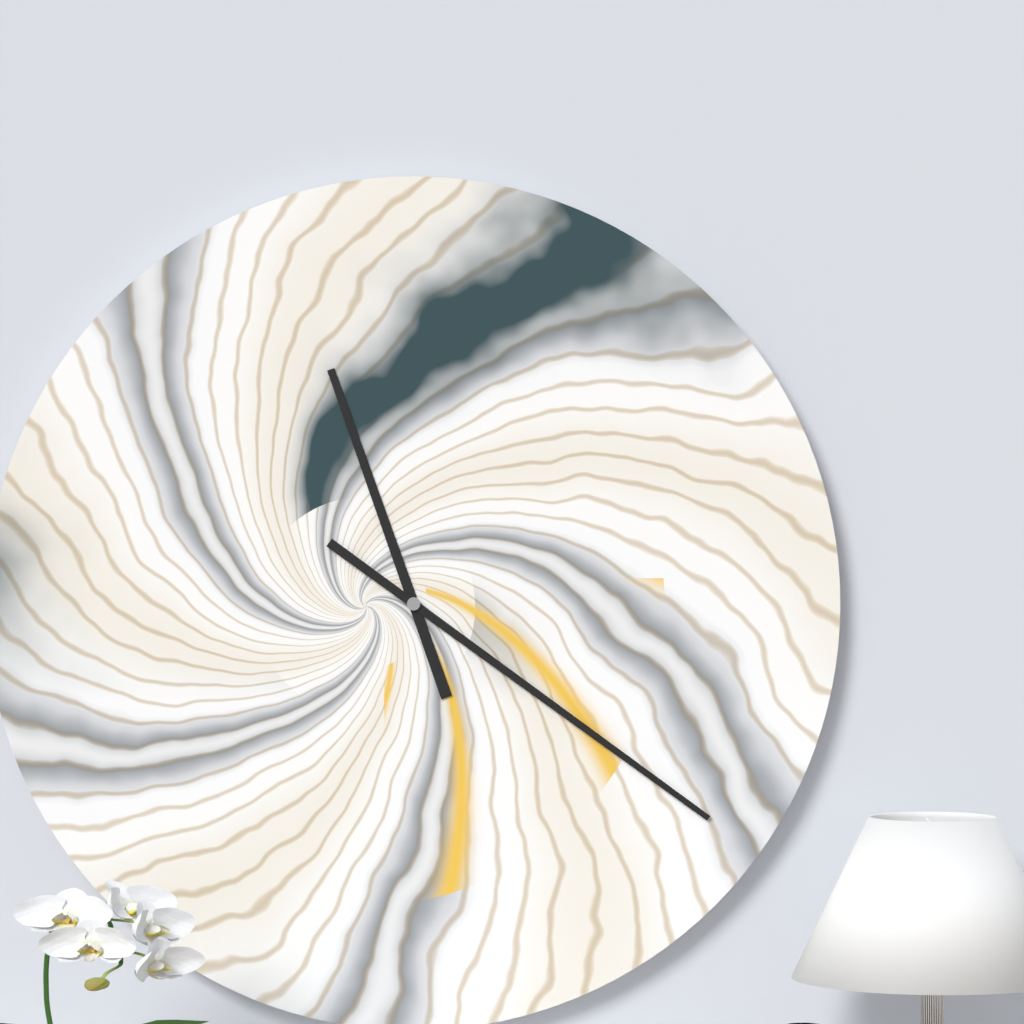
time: 11.21
